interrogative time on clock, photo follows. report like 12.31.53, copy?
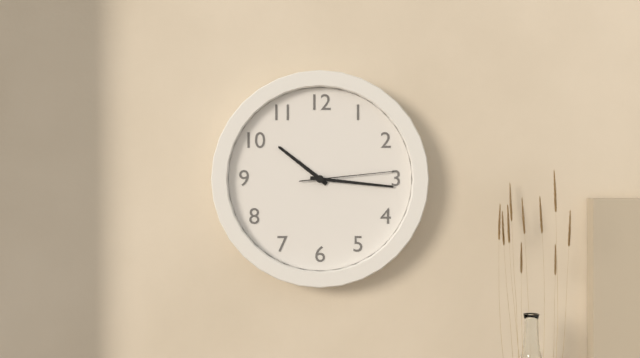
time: 10.16.14
